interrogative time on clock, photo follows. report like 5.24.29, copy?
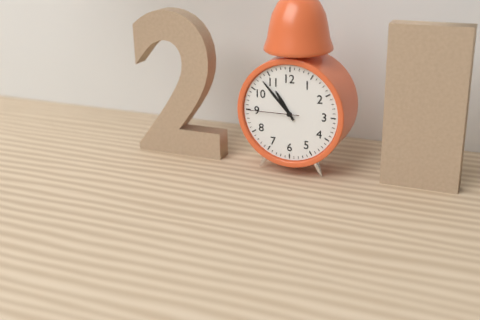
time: 10.53.45
